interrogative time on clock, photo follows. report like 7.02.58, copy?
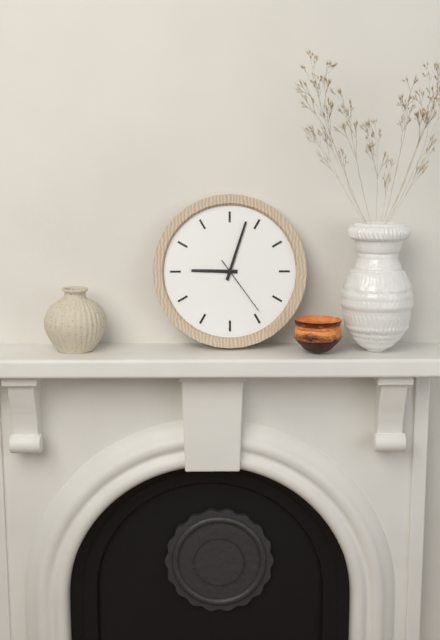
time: 9.03.24
